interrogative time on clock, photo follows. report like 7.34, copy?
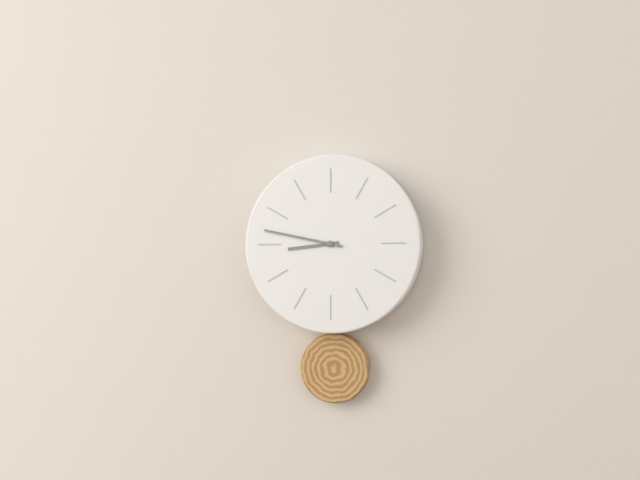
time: 8.47
